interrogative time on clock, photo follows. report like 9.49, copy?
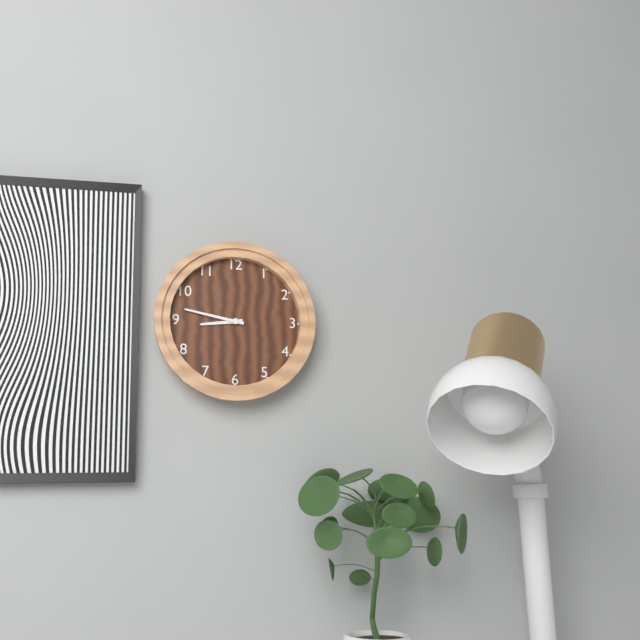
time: 8.47
